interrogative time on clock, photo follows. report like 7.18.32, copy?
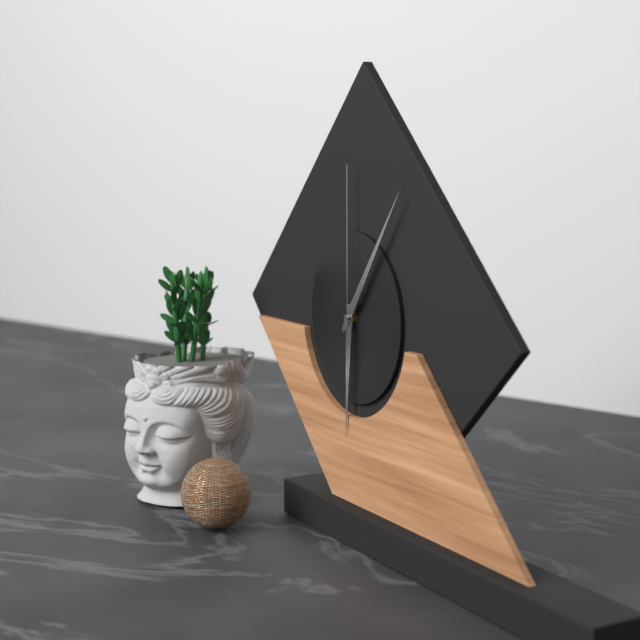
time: 6.06.00
